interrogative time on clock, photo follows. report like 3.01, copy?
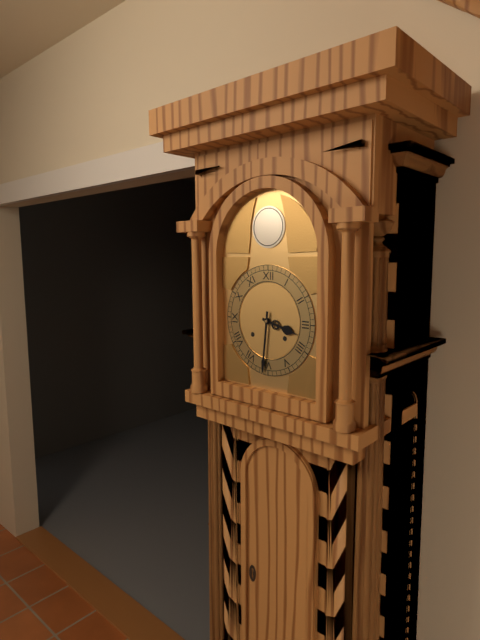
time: 3.31
